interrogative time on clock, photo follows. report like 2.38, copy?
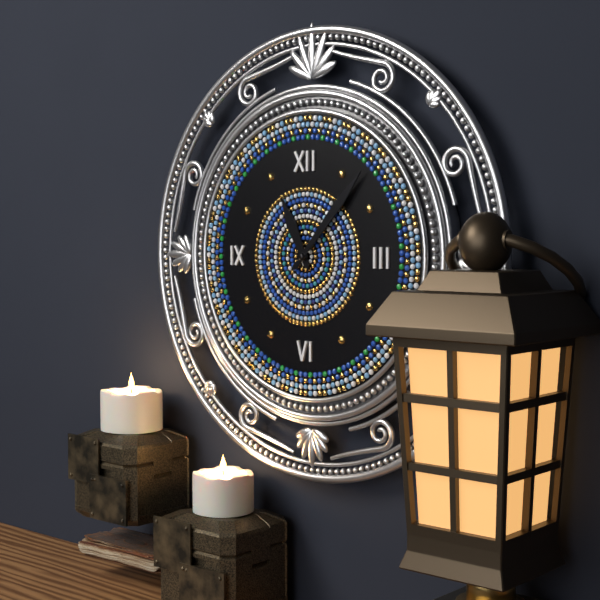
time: 11.07
